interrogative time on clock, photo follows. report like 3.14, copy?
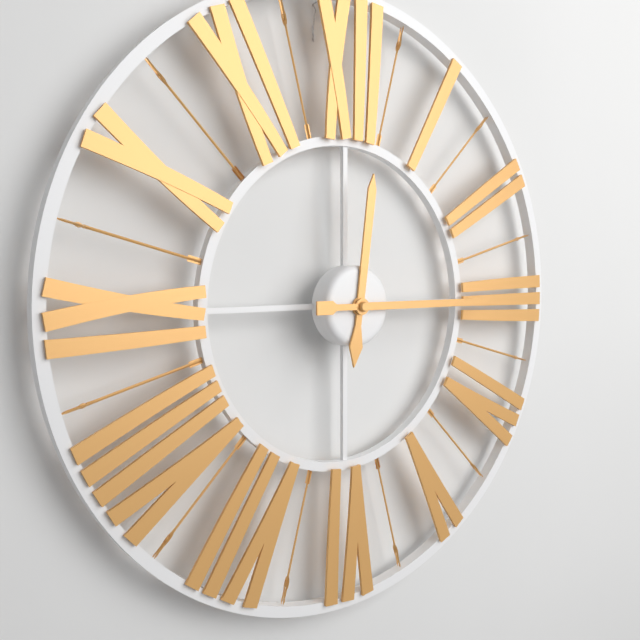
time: 12.15
